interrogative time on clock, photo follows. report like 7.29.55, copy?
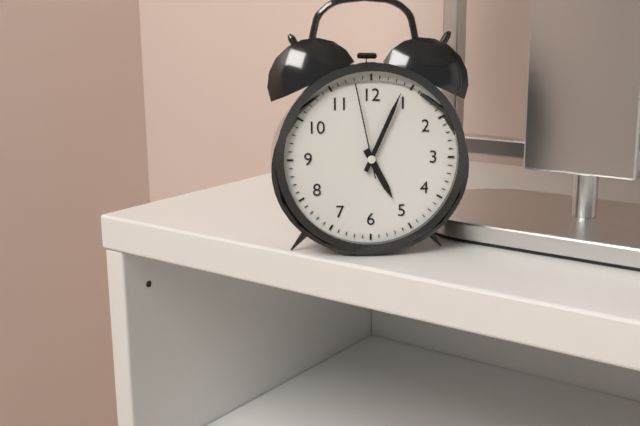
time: 5.04.58
